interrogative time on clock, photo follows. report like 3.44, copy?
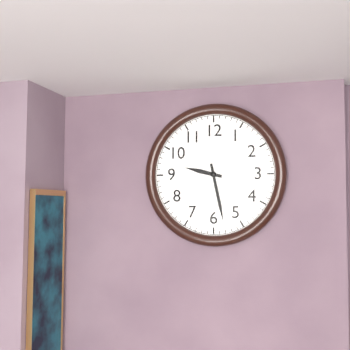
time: 9.28
